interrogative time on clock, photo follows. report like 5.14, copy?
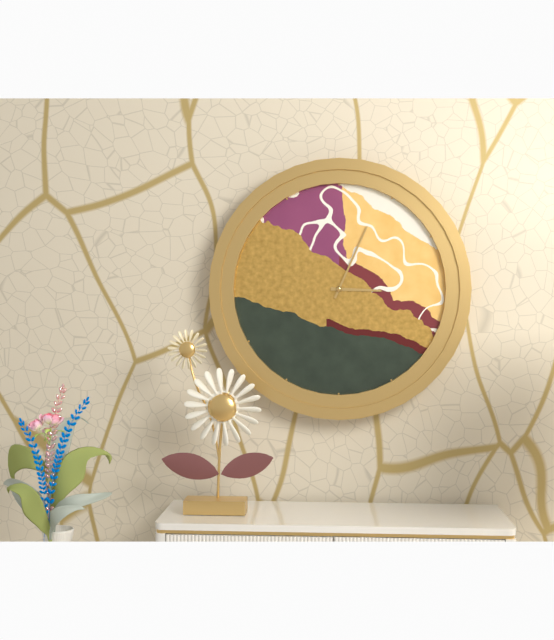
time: 3.04
